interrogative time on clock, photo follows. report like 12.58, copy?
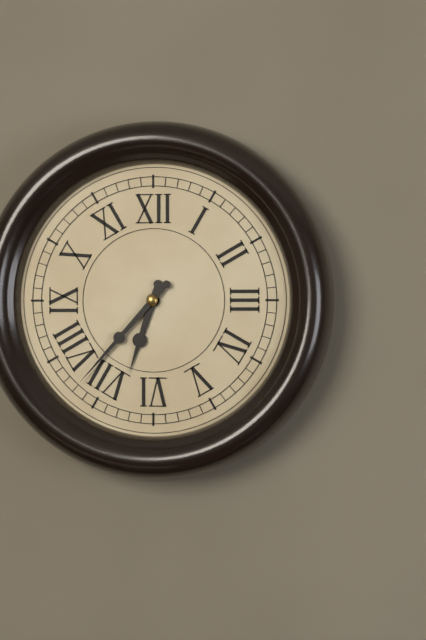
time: 6.37
